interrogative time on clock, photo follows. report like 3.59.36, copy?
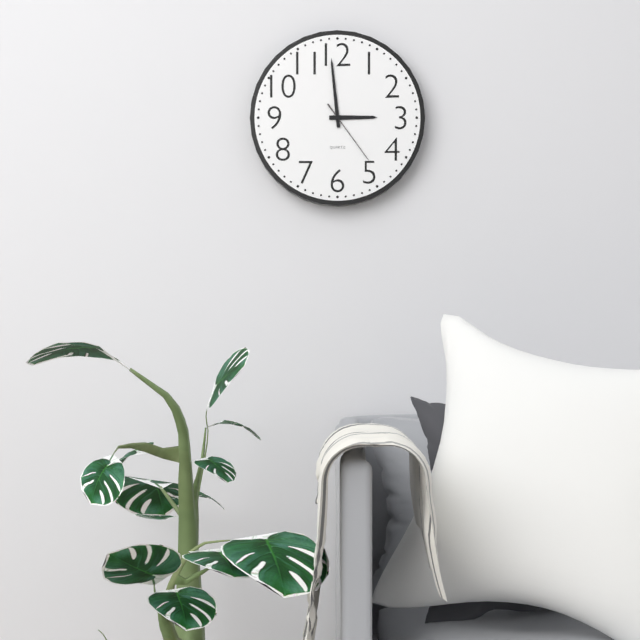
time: 2.59.24
